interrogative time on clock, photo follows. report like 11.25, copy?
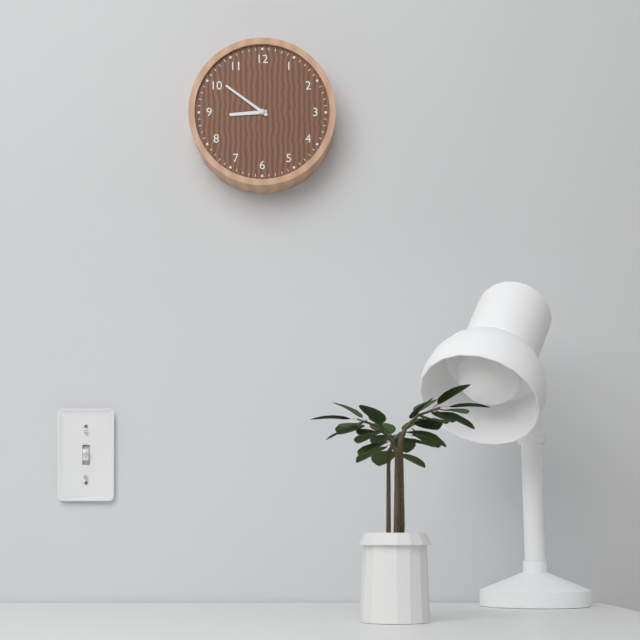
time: 8.51
